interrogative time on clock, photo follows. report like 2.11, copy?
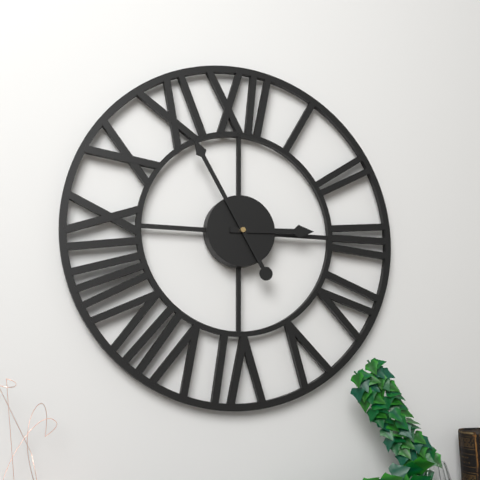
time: 2.55
